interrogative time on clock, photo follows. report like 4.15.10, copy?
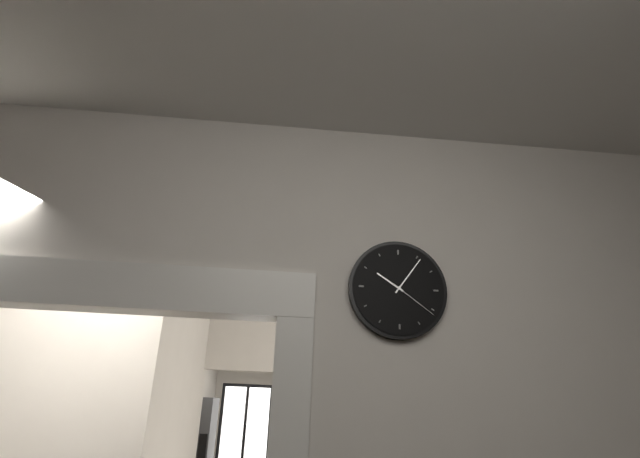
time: 10.06.21
